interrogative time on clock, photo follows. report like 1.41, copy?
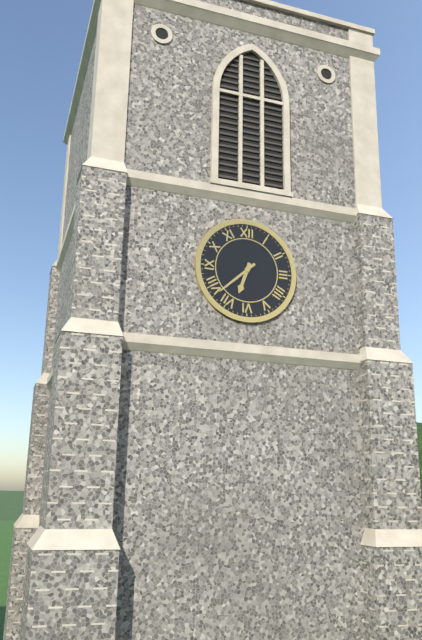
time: 6.38
